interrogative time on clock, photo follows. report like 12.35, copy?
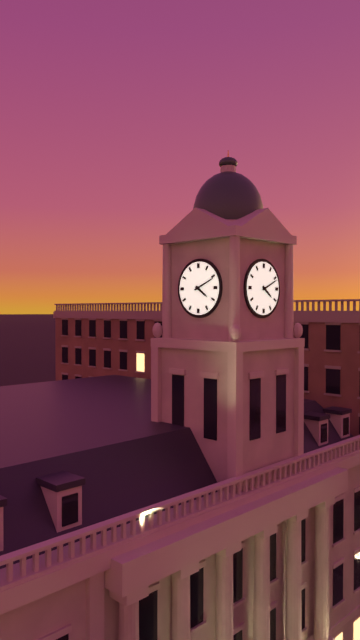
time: 4.11
